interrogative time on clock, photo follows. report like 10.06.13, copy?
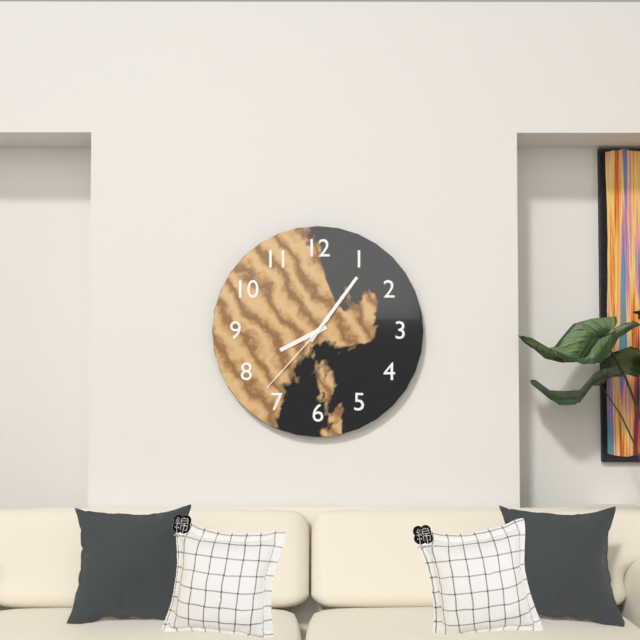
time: 8.06.37
